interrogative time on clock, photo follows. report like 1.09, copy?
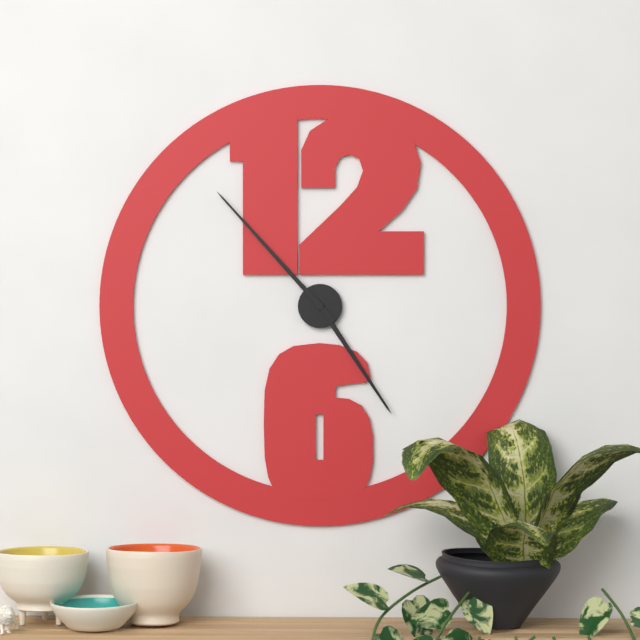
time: 4.53
